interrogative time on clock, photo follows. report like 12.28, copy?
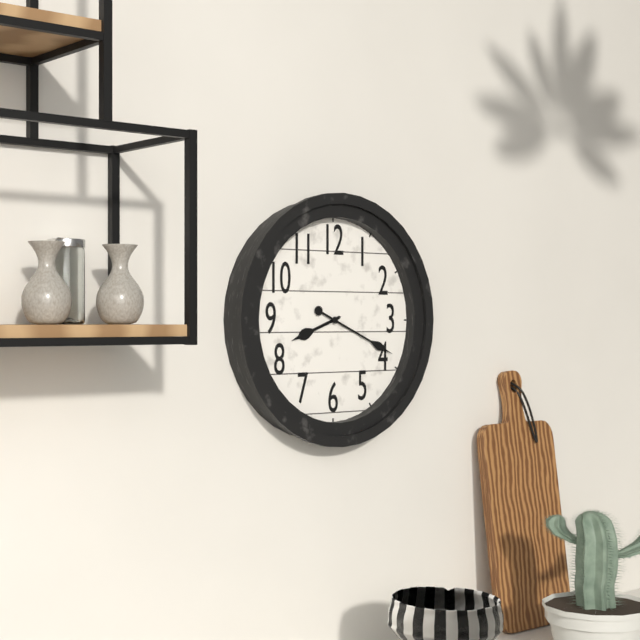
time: 8.19
